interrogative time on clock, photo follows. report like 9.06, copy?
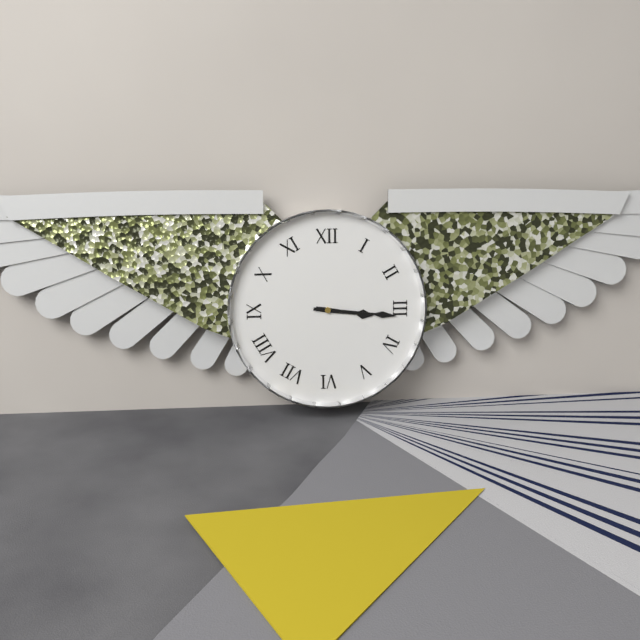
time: 3.16
